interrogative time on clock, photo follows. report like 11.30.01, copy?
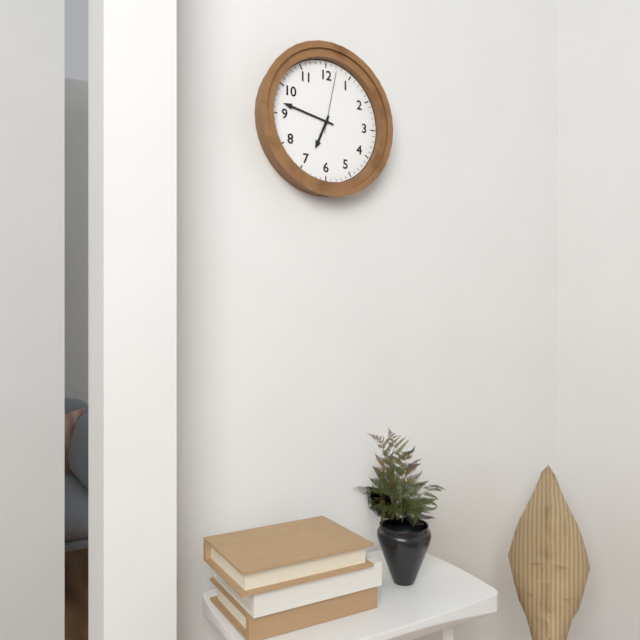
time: 6.47.02
